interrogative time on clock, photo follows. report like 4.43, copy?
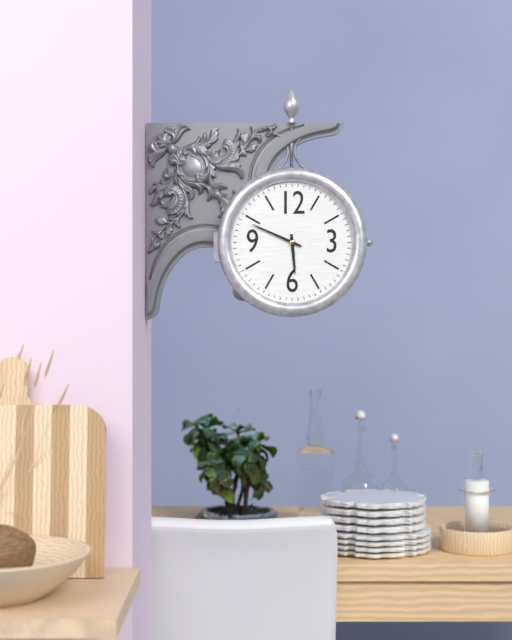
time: 5.49
